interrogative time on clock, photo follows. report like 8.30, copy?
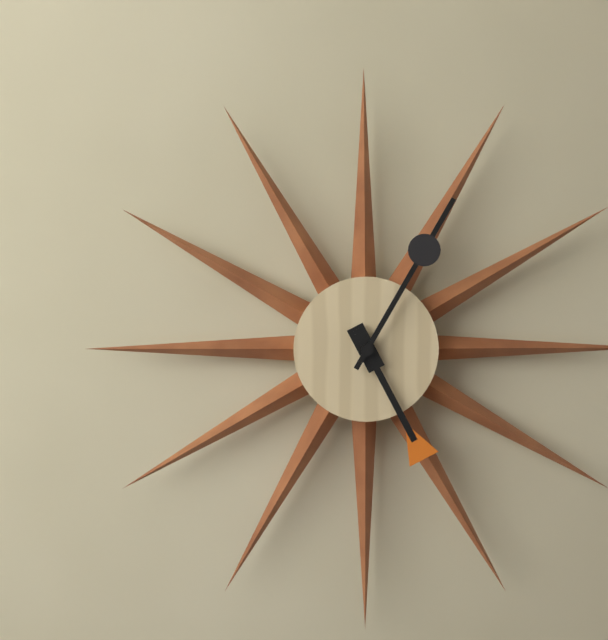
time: 5.05
